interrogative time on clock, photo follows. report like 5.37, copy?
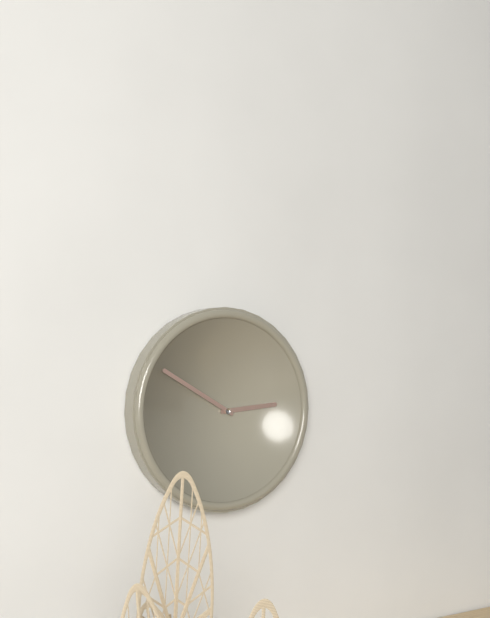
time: 2.50
